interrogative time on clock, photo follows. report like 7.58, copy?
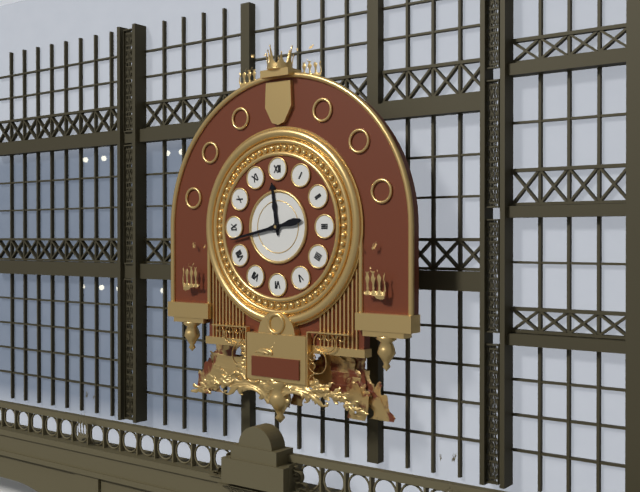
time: 11.43
